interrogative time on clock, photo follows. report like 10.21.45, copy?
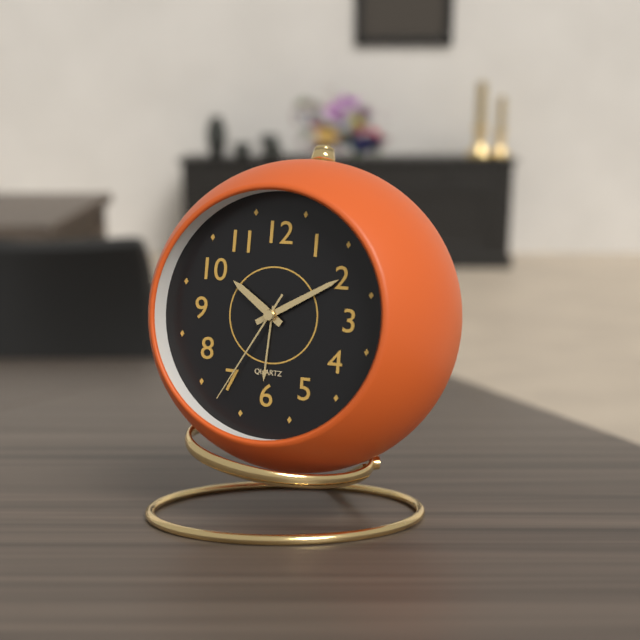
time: 10.10.35
